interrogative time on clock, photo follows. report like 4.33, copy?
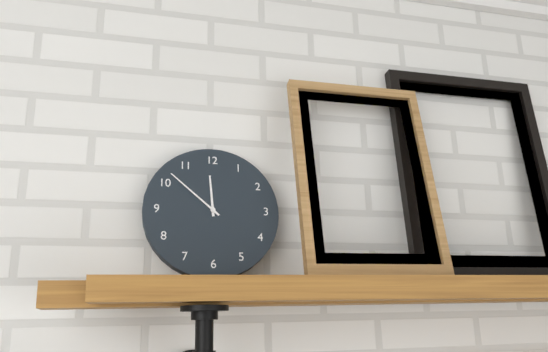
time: 11.52
